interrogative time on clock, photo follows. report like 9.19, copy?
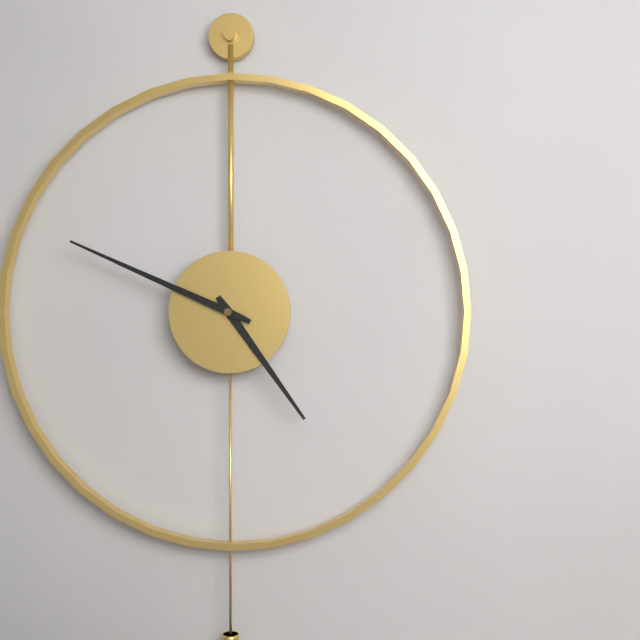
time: 4.49
